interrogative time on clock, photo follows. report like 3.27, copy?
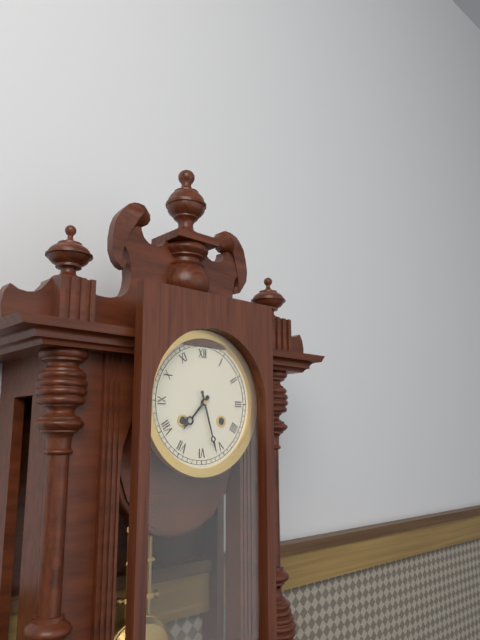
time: 7.27
